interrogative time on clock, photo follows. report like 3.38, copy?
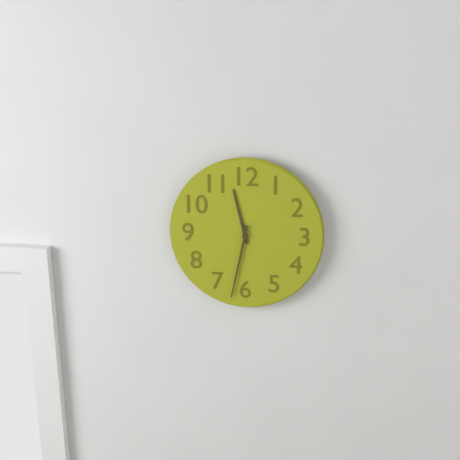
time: 11.32
